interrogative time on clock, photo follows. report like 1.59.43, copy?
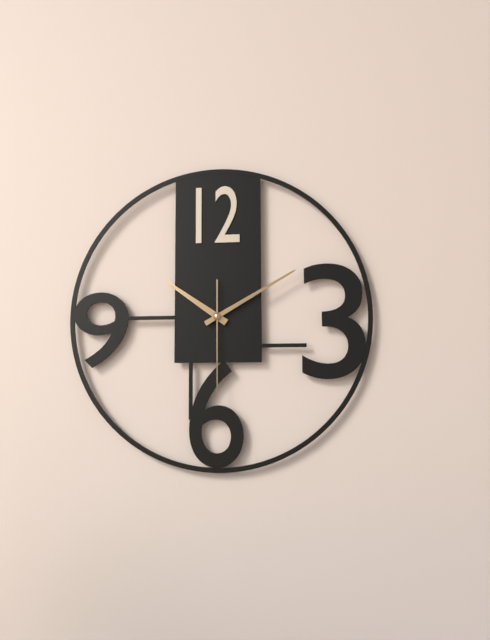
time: 10.10.30
